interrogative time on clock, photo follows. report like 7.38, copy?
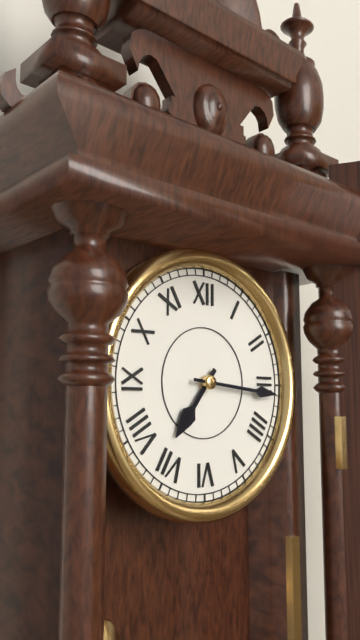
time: 7.16
